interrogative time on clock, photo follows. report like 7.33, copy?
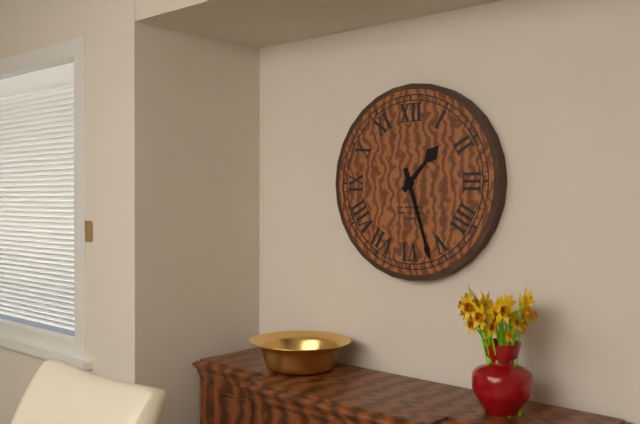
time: 1.27
